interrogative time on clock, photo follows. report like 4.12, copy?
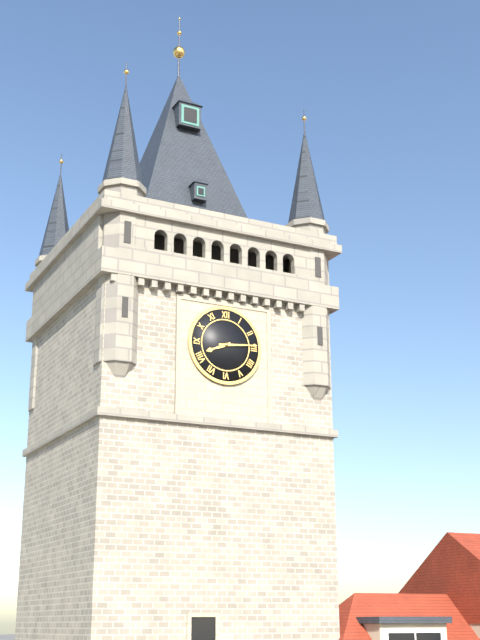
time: 8.14
